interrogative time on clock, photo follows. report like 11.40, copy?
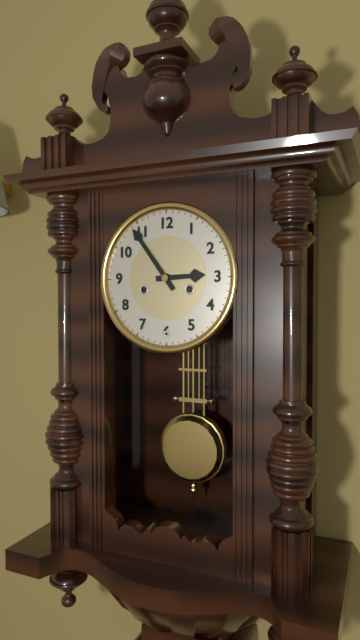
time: 2.54
